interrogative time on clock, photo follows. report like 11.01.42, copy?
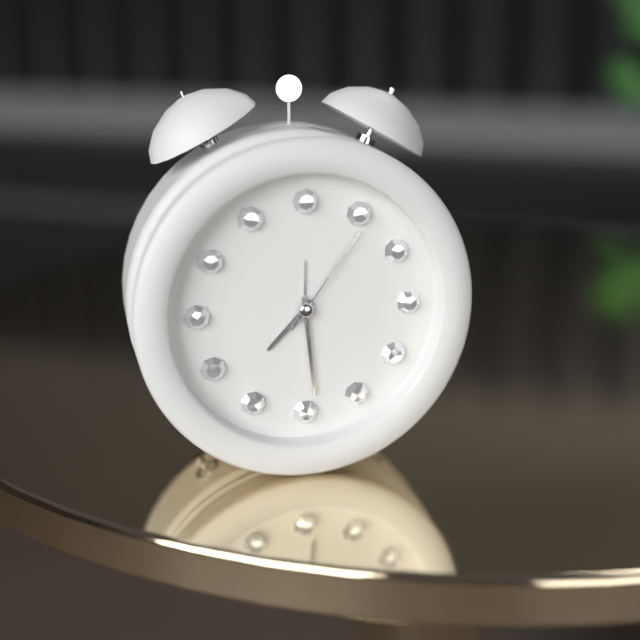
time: 7.29.06
